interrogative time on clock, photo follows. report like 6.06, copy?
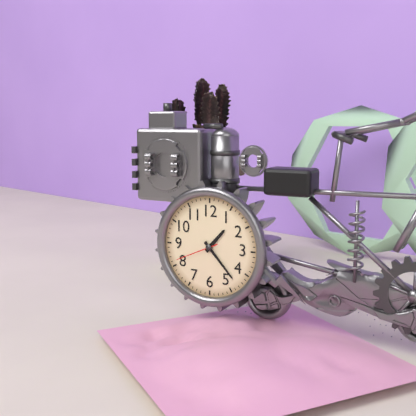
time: 1.23
